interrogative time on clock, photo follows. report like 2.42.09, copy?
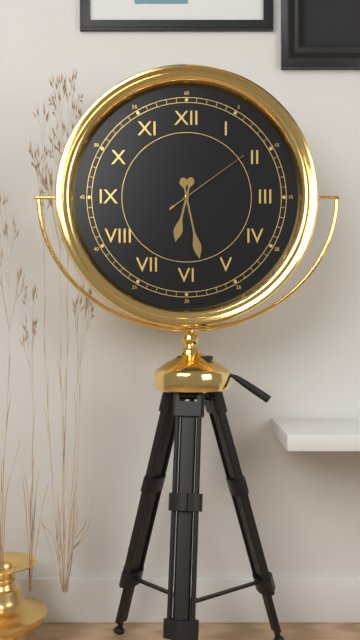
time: 6.28.09
